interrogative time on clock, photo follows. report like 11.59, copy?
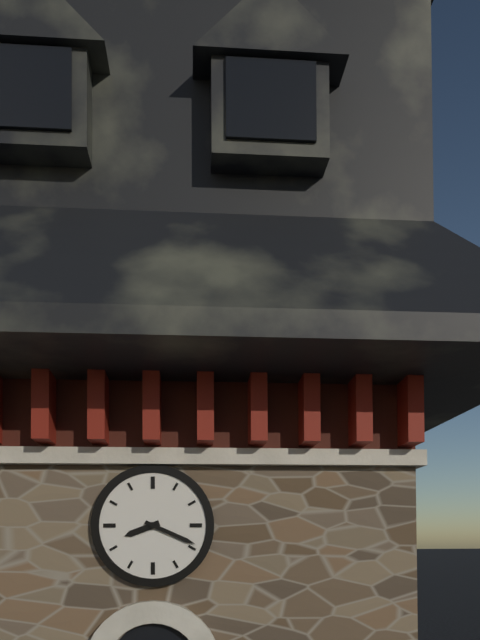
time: 8.19
